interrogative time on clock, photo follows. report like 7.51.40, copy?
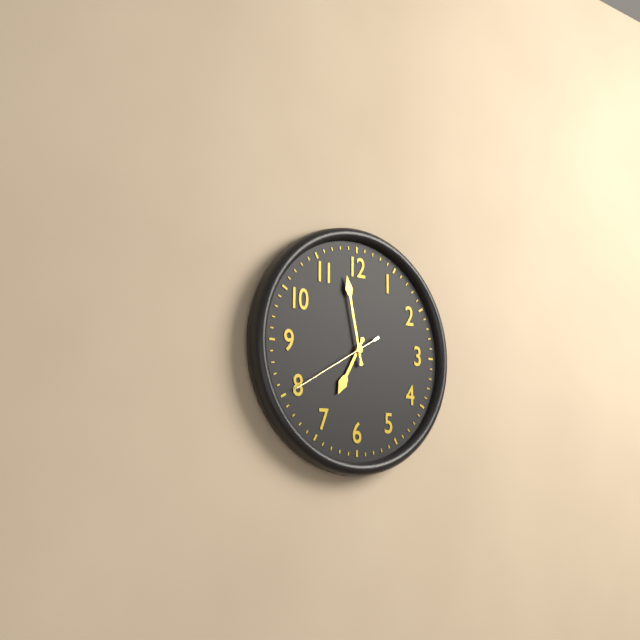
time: 6.58.40
